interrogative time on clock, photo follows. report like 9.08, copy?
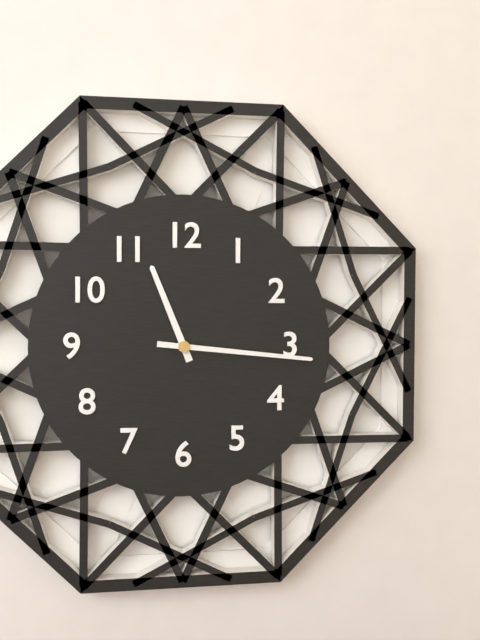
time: 11.16
